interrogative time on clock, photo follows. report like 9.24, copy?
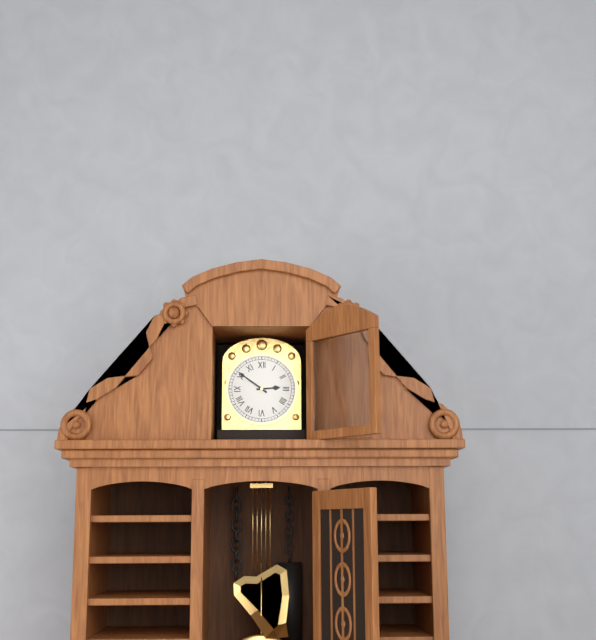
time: 2.51
